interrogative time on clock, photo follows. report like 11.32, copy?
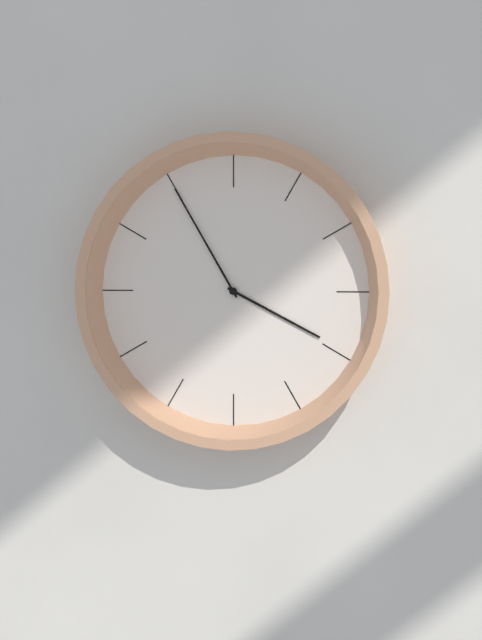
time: 3.55
